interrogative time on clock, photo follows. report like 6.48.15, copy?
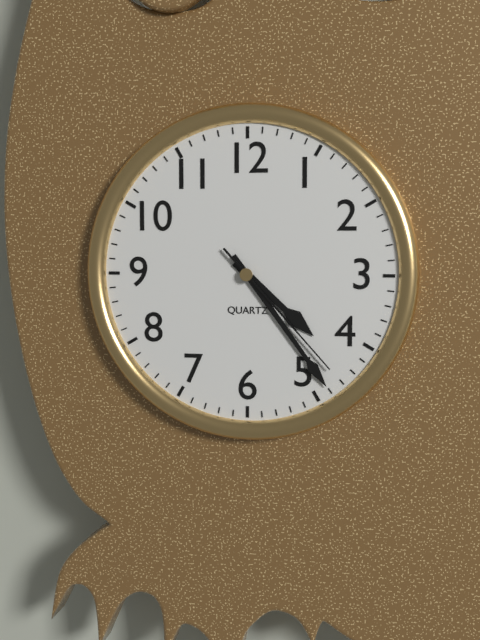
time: 4.24.23
